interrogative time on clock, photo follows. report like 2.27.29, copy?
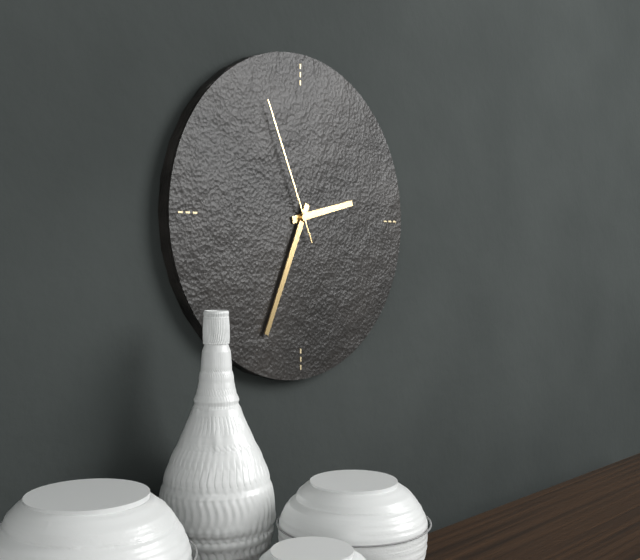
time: 2.34.56
